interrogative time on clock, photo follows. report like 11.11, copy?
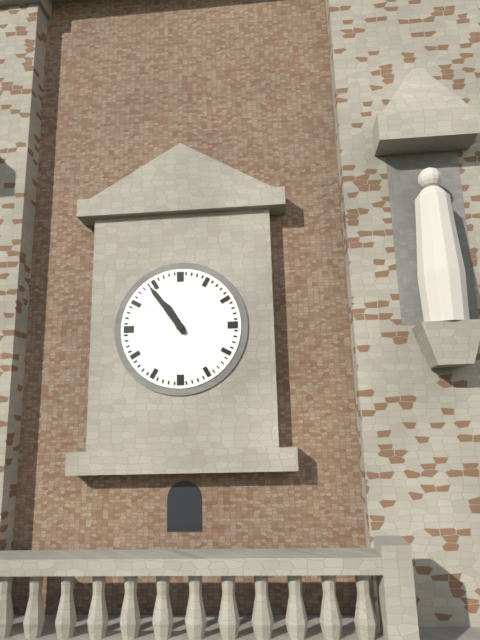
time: 10.54
